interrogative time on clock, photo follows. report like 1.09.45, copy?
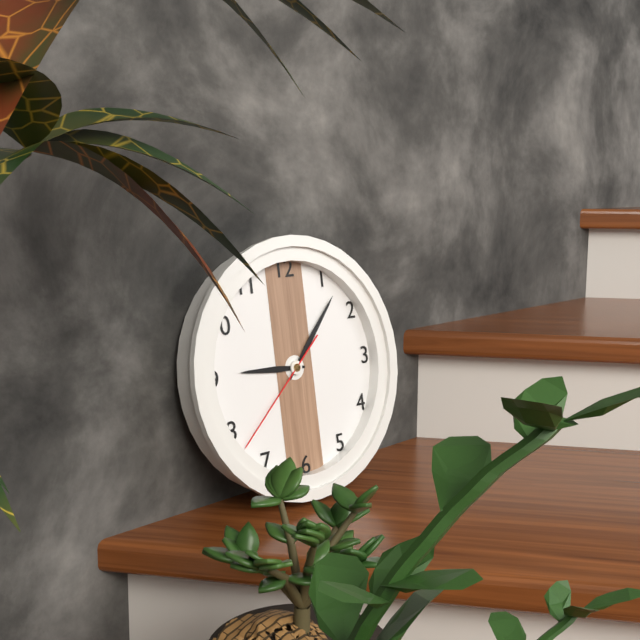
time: 9.07.38
